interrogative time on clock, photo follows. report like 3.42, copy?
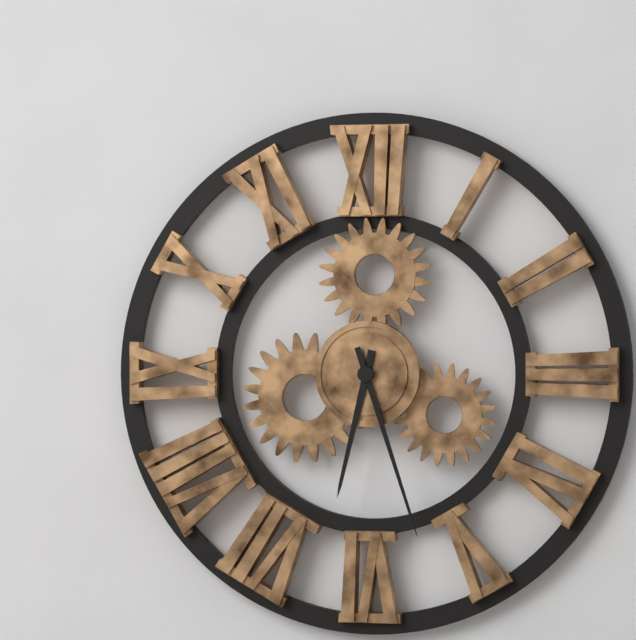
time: 6.27
